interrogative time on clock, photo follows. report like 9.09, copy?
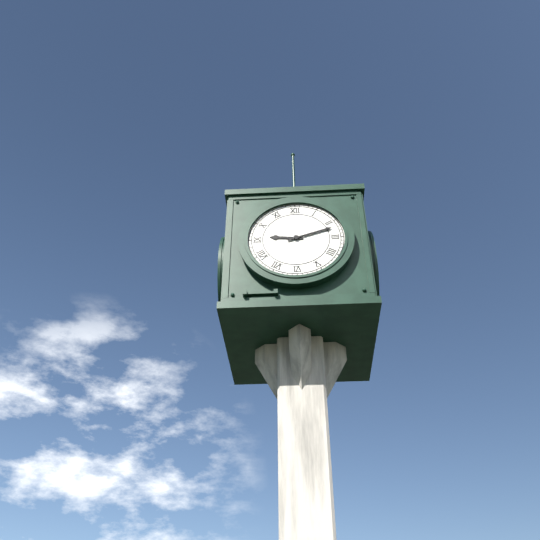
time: 9.12
